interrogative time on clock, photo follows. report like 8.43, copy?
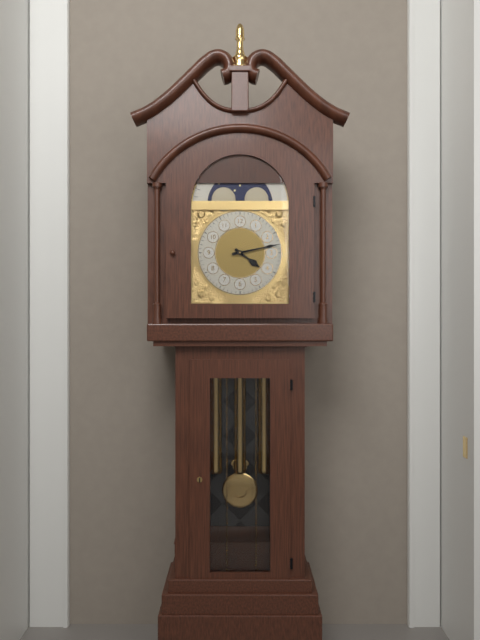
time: 4.13
